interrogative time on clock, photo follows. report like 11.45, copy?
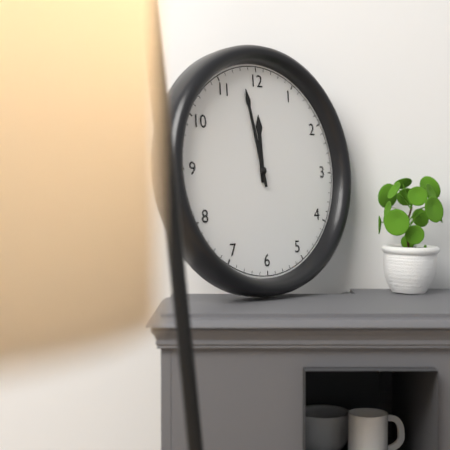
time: 11.58
